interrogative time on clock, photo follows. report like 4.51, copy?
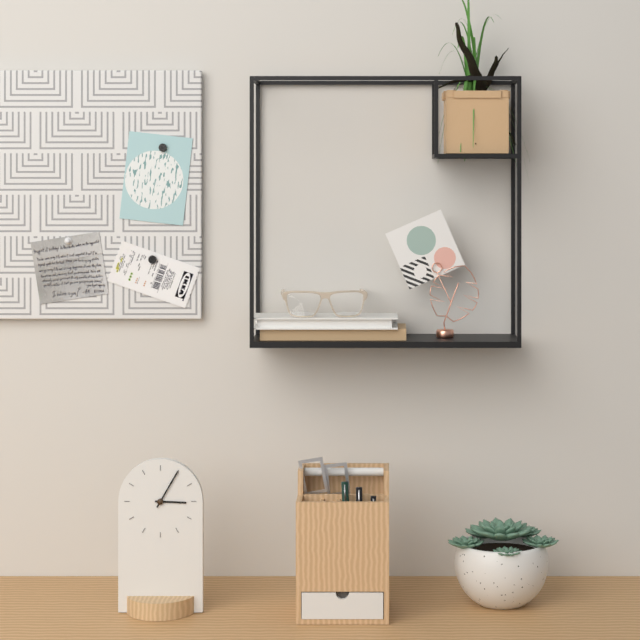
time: 3.05
